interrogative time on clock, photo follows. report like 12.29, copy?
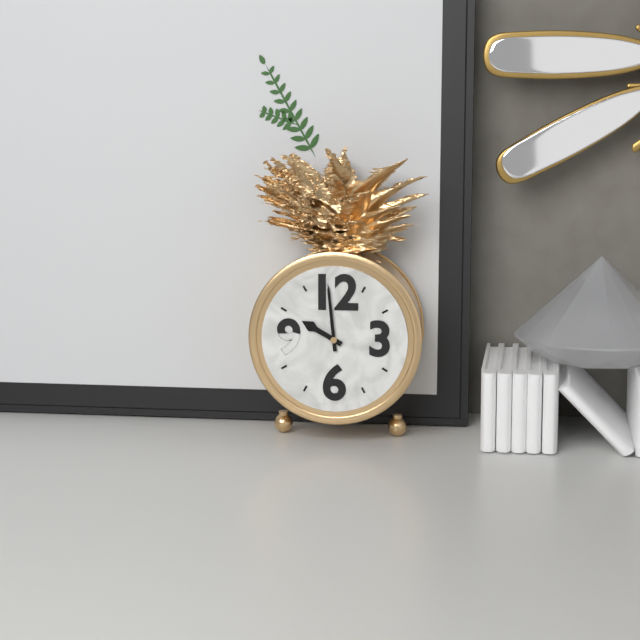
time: 9.59
